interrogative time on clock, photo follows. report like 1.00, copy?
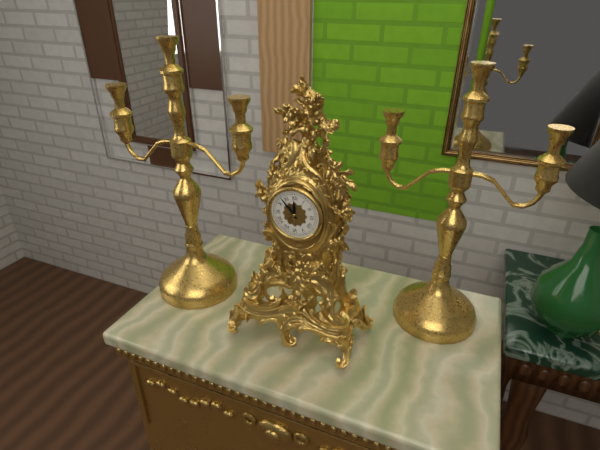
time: 11.53
